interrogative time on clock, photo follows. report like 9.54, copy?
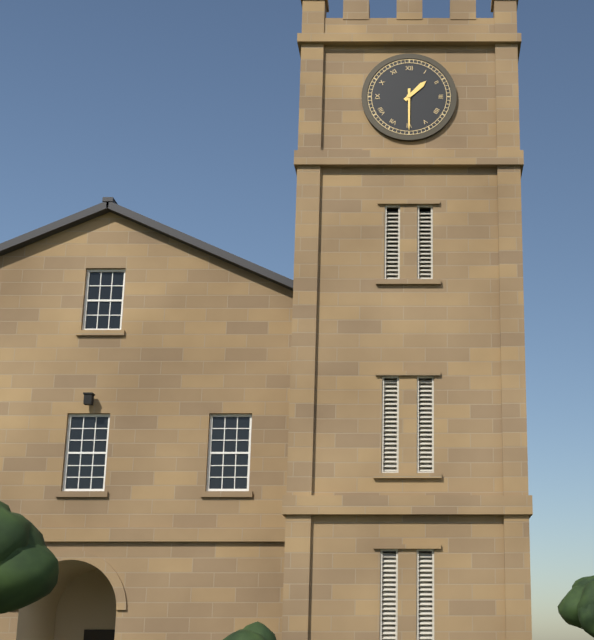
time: 1.30
